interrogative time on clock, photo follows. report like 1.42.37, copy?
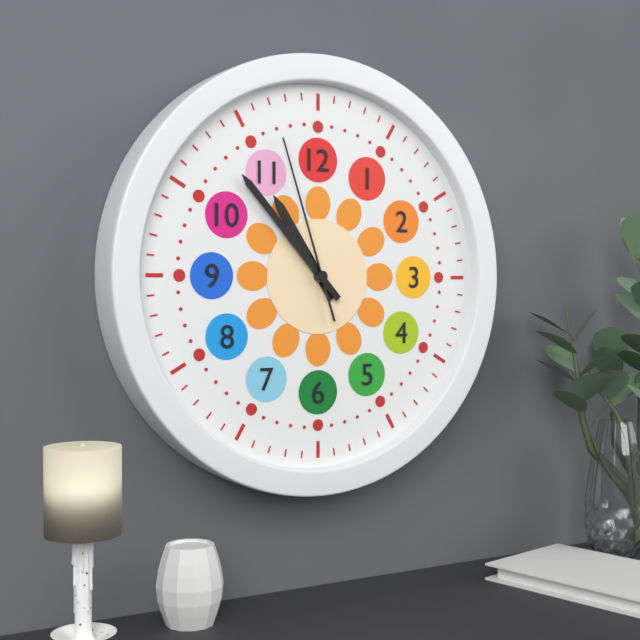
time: 10.53.57
